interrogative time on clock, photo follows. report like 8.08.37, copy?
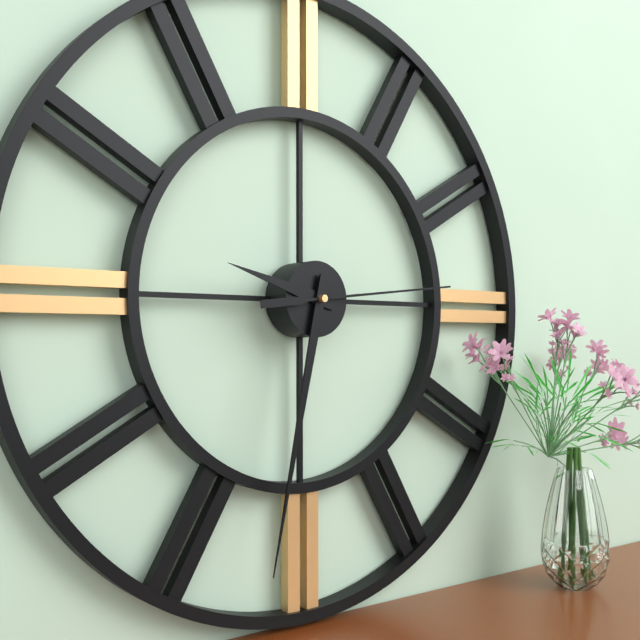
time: 9.32.14
